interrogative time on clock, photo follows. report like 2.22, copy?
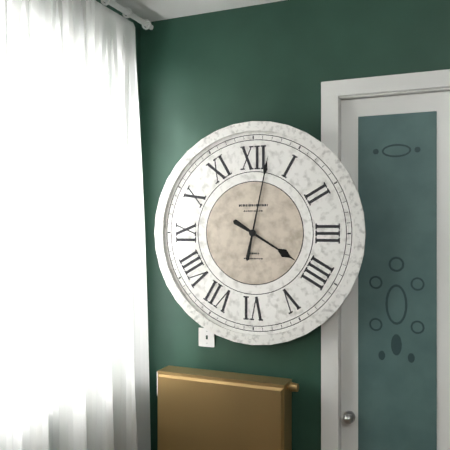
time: 4.02
